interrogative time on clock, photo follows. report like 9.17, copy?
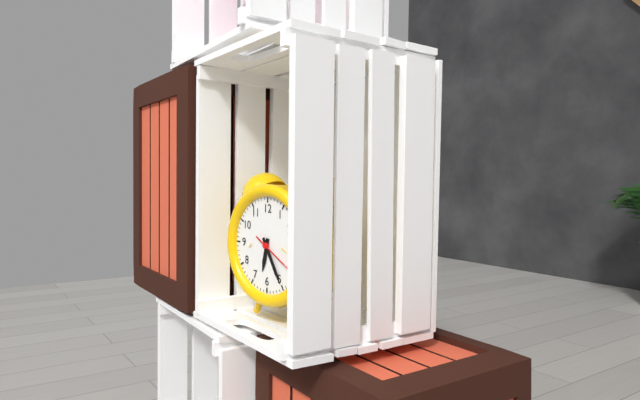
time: 6.25
